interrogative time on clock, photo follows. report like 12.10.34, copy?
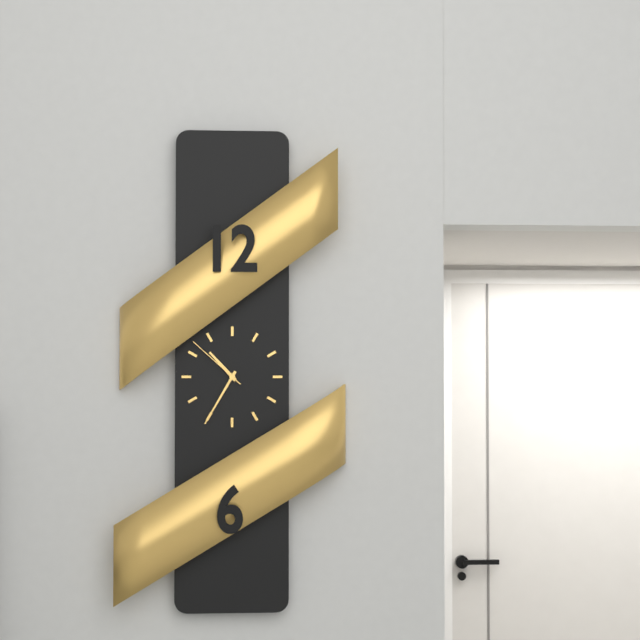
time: 10.35.52
